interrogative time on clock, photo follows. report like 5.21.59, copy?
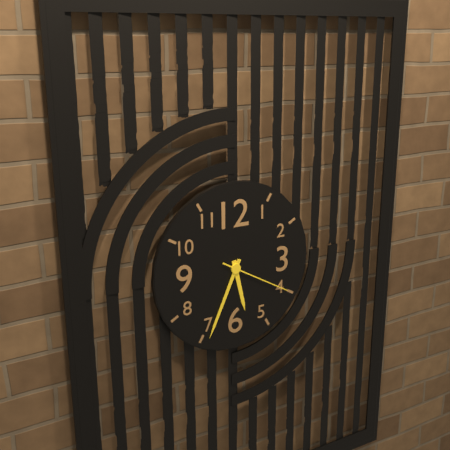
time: 5.34.20
